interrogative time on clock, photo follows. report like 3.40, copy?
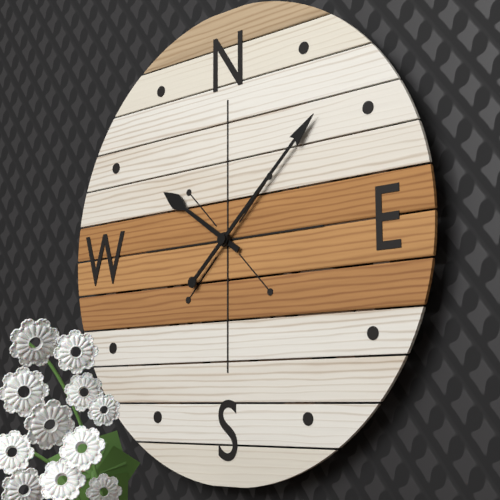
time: 10.08
